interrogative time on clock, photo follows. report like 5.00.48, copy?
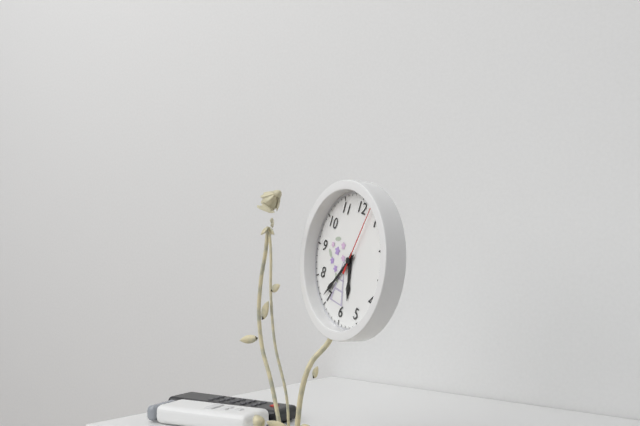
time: 5.36.03
